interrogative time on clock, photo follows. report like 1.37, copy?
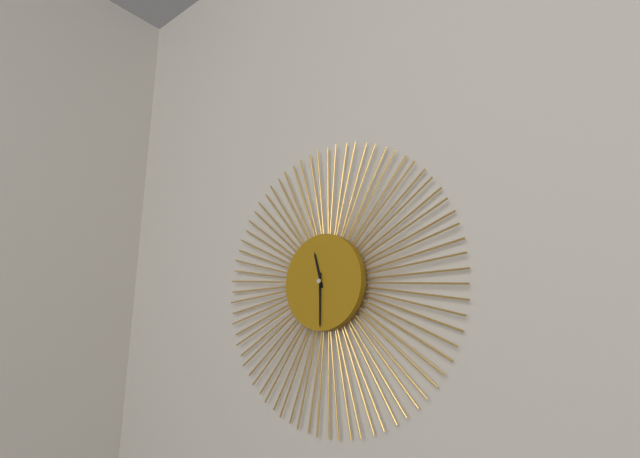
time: 11.30
